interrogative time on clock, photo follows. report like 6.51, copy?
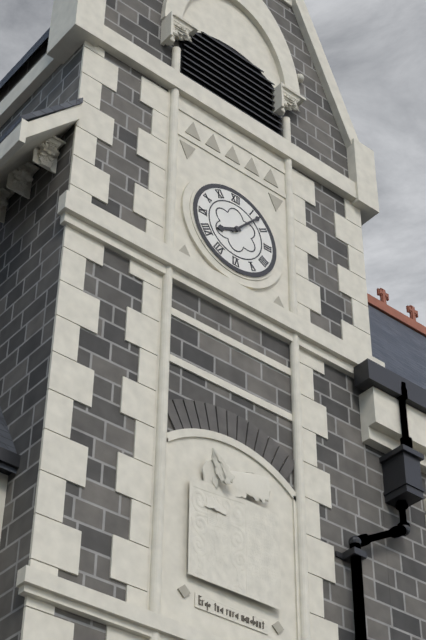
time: 8.07
